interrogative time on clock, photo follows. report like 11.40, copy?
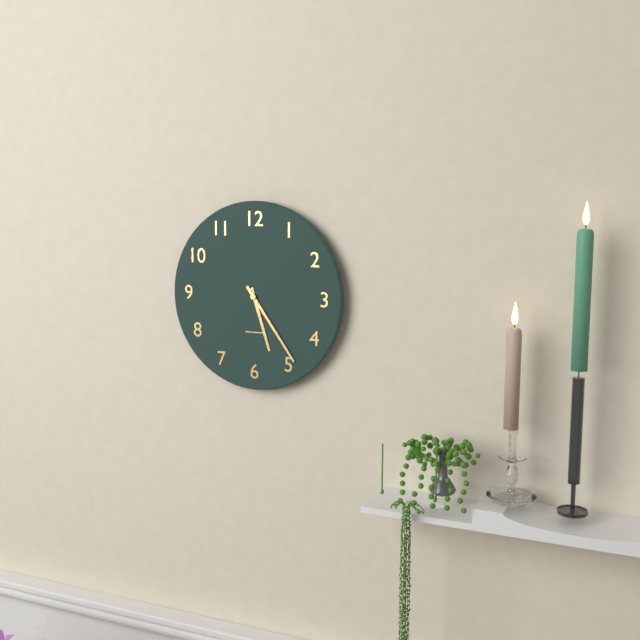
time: 5.24
